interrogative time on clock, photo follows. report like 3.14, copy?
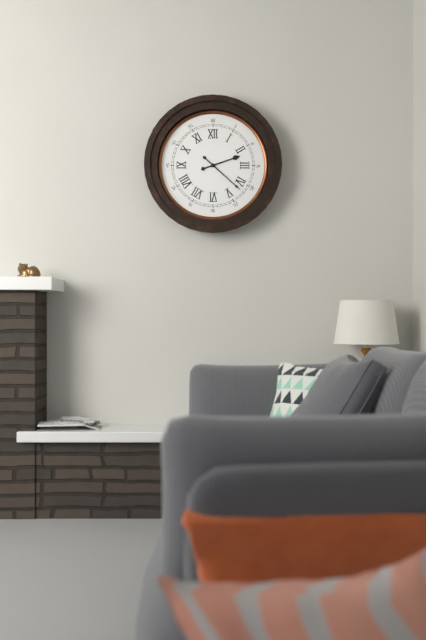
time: 2.22
